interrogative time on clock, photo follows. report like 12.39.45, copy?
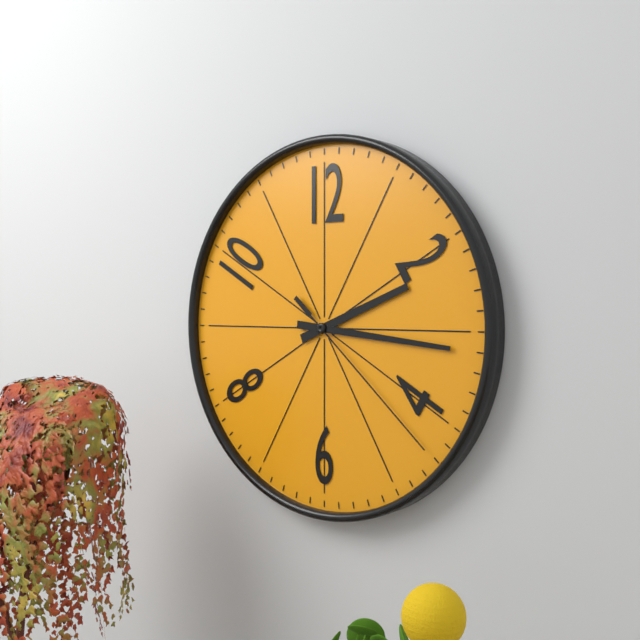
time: 2.16.22
